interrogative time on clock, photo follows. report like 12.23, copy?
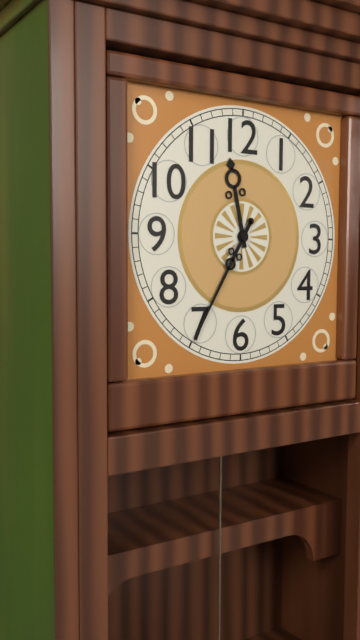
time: 11.35
